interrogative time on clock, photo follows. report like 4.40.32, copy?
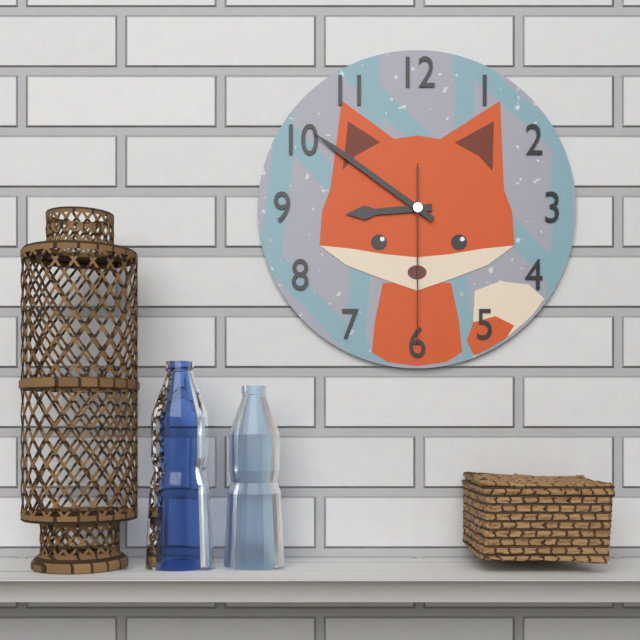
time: 8.51.30
